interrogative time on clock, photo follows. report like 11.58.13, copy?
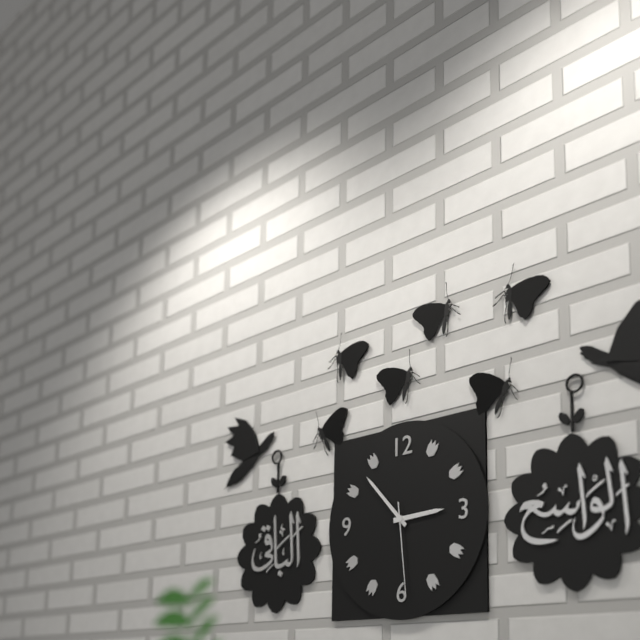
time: 2.53.29
